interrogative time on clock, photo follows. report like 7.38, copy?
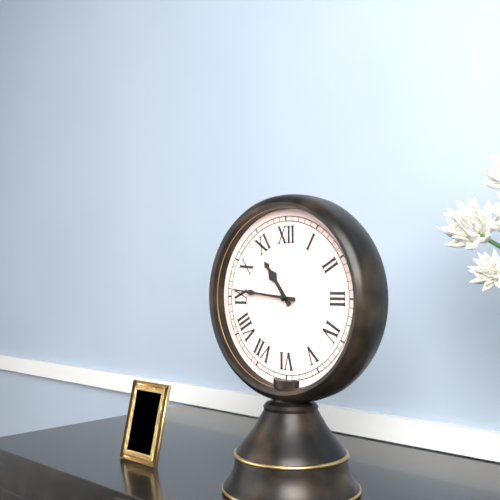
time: 10.46
